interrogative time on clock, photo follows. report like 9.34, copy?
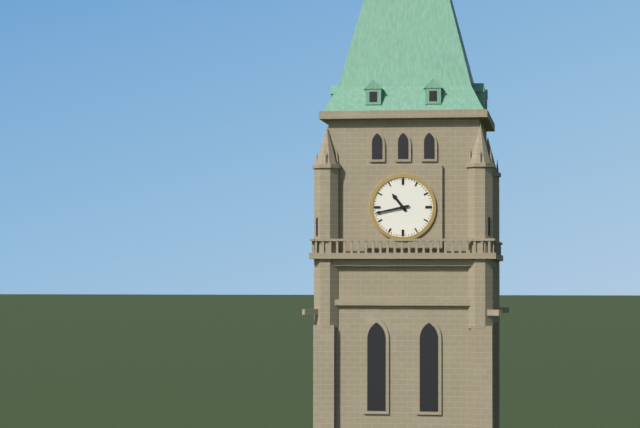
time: 10.43
